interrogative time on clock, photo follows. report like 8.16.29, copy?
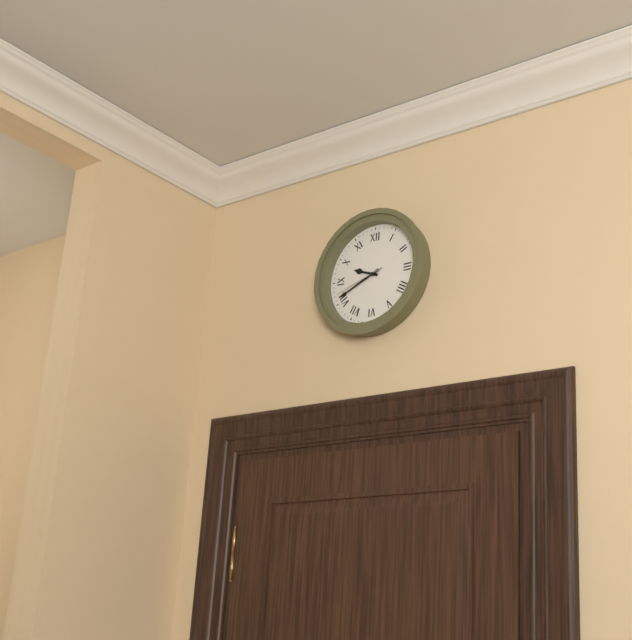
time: 9.41.42
